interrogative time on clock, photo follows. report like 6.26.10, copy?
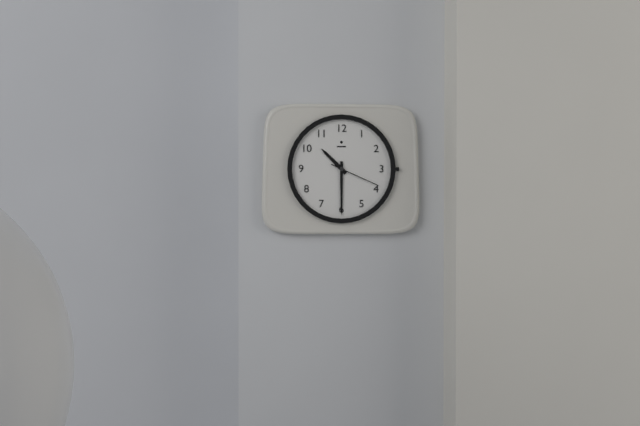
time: 10.30.19
